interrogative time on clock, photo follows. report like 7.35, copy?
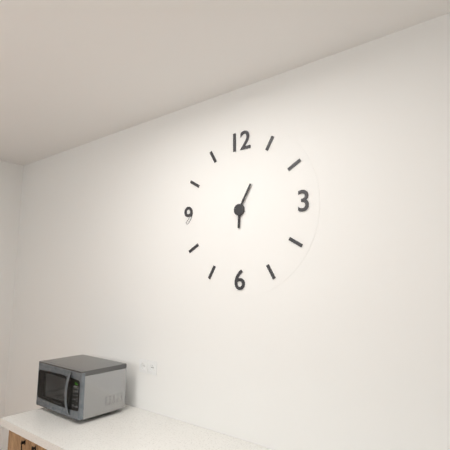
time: 6.05
